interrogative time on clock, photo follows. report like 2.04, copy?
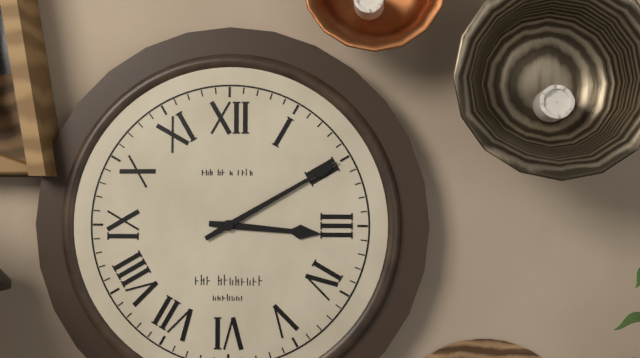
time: 3.10
